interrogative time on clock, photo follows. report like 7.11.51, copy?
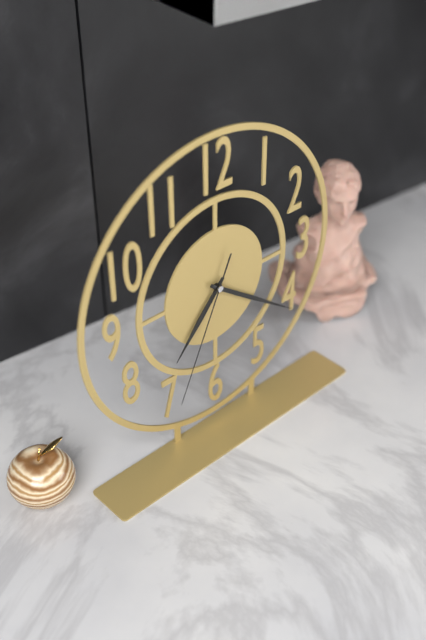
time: 7.21.34
